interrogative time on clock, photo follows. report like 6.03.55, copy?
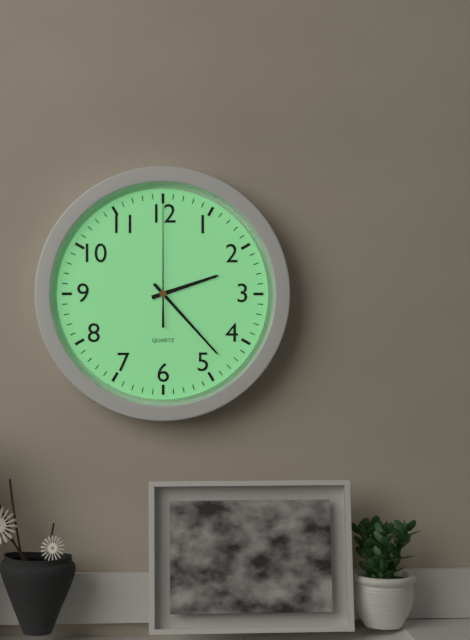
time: 2.23.00
